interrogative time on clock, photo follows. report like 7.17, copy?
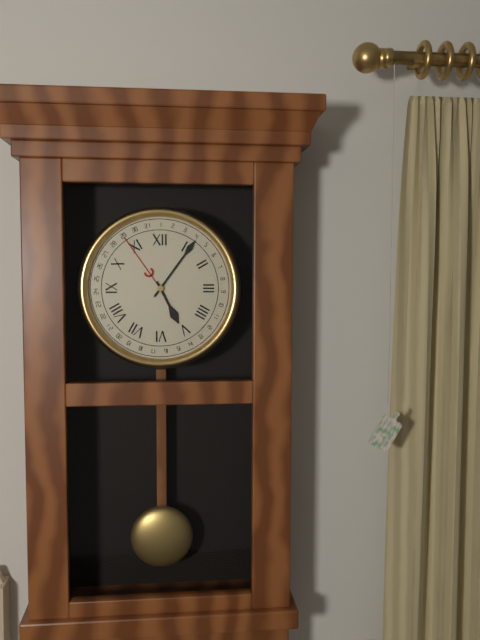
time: 5.06
